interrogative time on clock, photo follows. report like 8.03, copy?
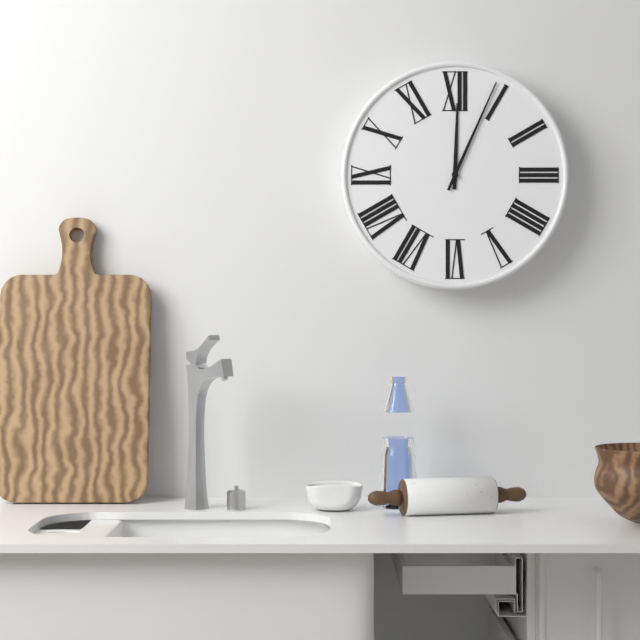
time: 12.04
